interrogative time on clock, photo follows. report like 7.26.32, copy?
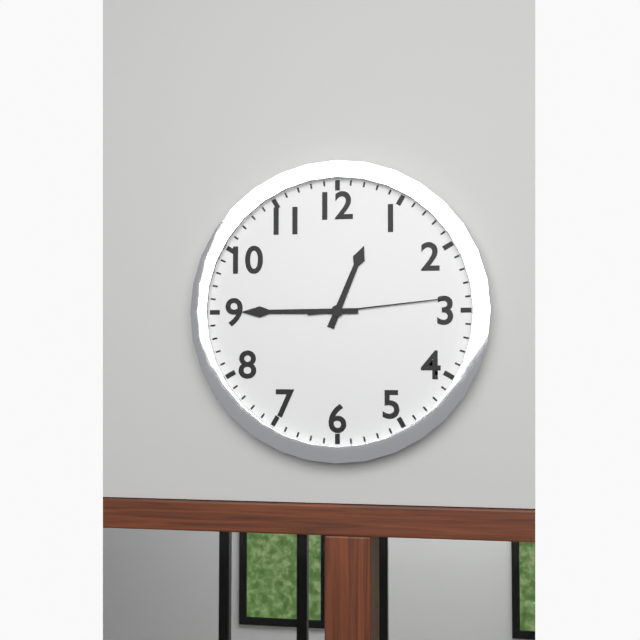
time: 12.45.14
